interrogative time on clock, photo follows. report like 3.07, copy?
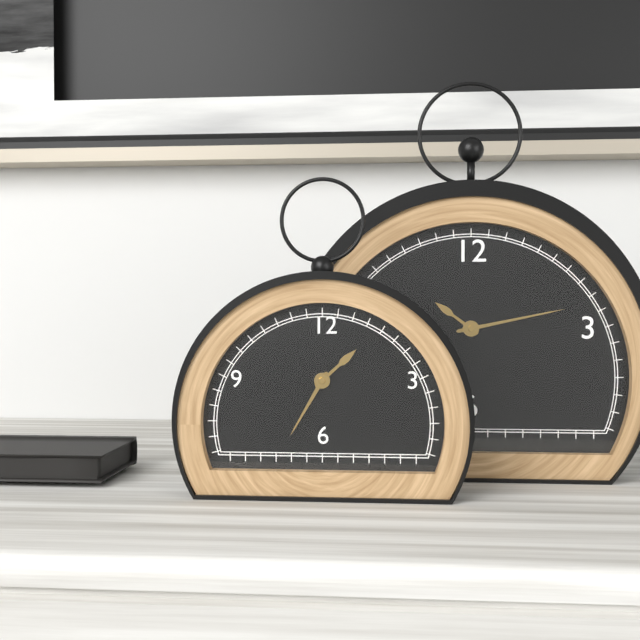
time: 1.35
